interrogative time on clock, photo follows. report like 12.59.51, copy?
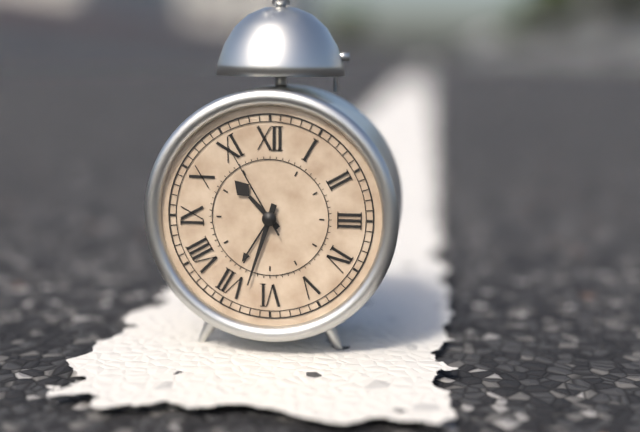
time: 10.33.55
